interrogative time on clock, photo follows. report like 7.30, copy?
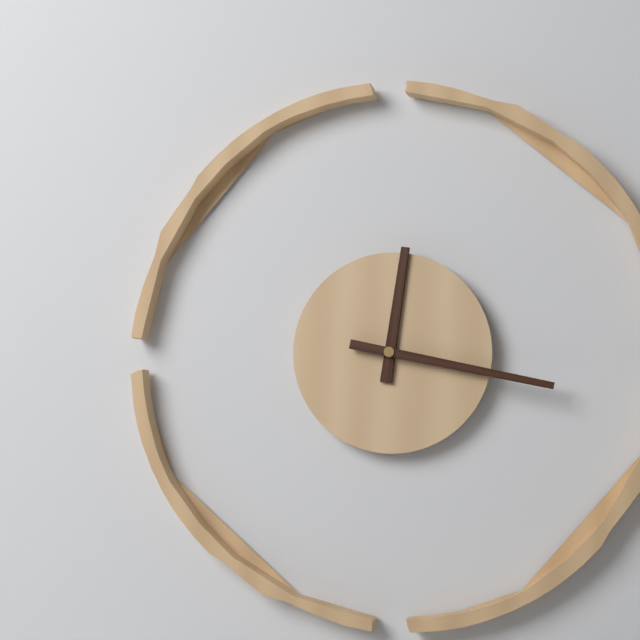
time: 12.17
